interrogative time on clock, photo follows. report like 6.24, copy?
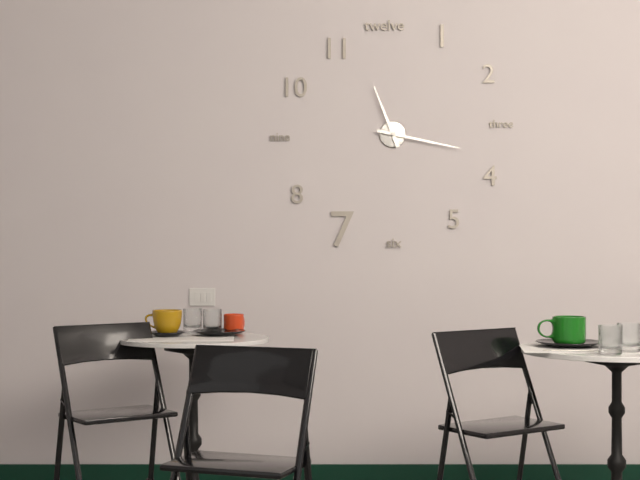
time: 11.17
